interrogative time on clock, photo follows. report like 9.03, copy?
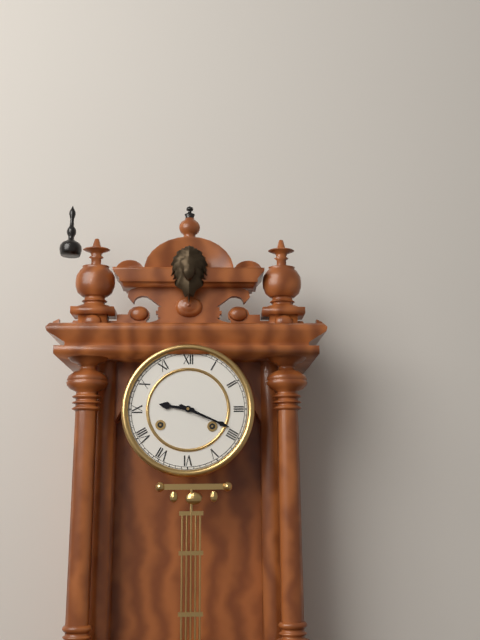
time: 9.19
